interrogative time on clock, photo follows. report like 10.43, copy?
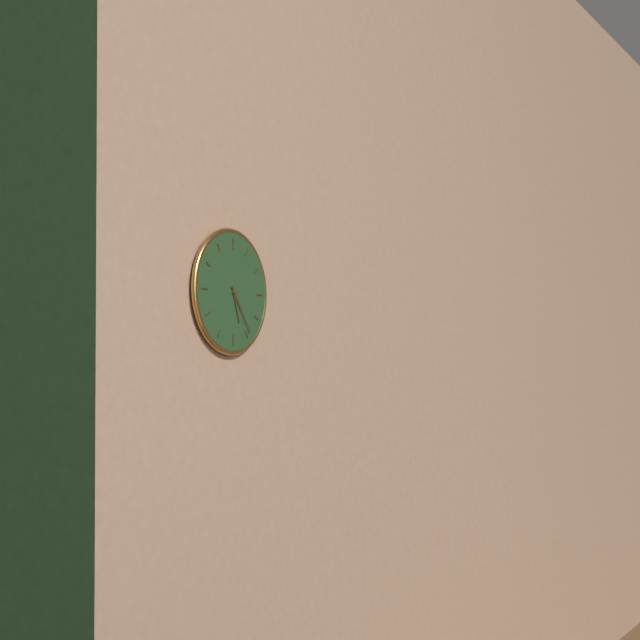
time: 5.24
